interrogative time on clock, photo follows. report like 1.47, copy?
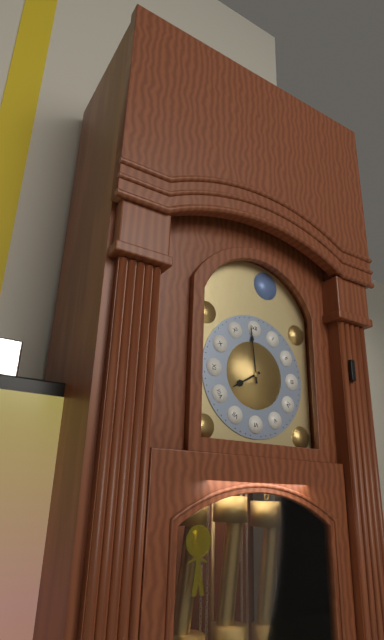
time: 7.59
